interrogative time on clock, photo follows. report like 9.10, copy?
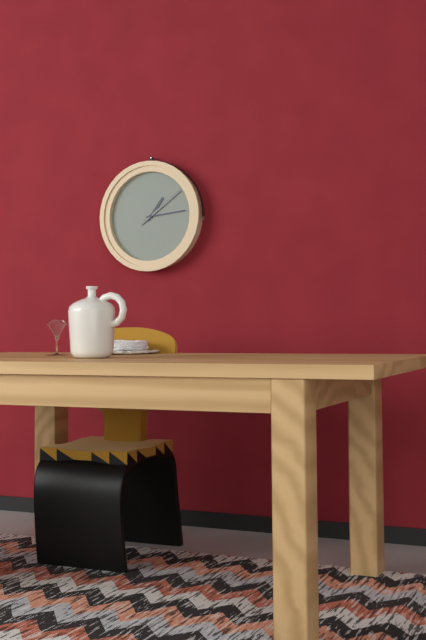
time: 1.14
